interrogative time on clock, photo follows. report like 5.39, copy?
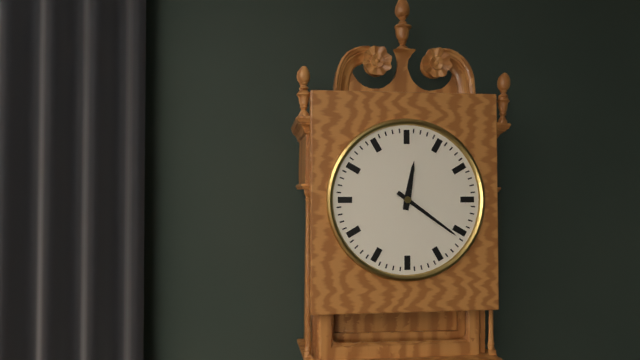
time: 12.21
